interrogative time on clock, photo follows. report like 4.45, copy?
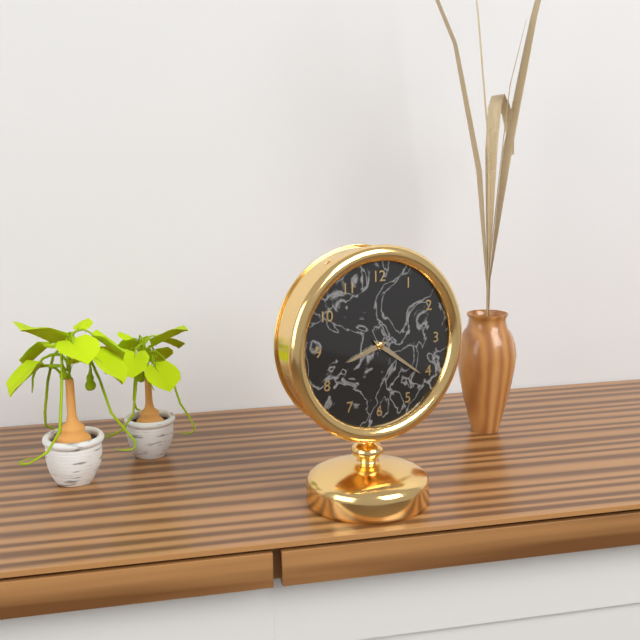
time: 8.21
